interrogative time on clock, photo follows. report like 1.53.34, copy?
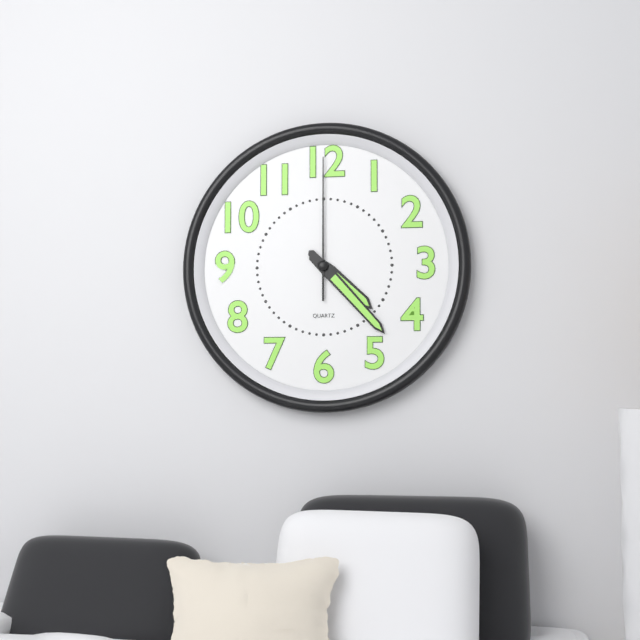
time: 4.23.00
